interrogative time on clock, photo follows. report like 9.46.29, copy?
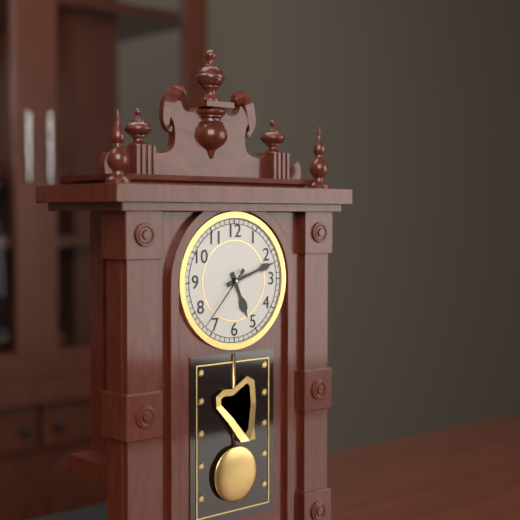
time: 5.12.37
